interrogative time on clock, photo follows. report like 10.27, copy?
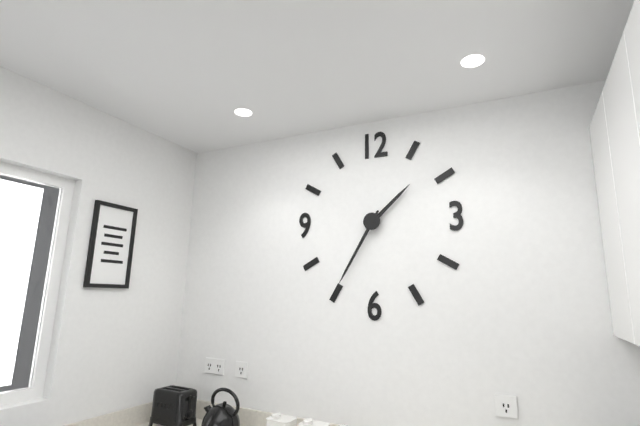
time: 1.35
